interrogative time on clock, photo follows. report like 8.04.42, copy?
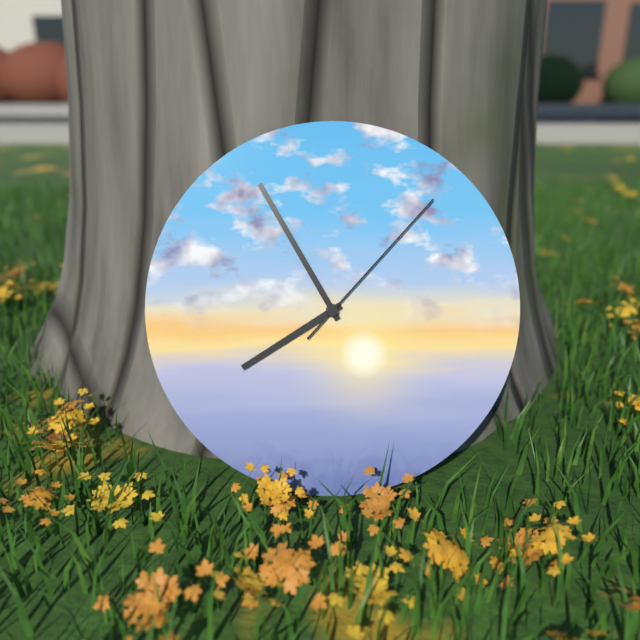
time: 7.55.07
